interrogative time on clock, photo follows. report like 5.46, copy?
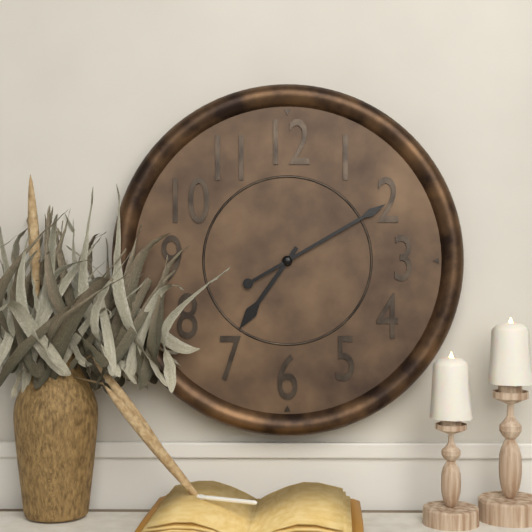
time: 7.10
